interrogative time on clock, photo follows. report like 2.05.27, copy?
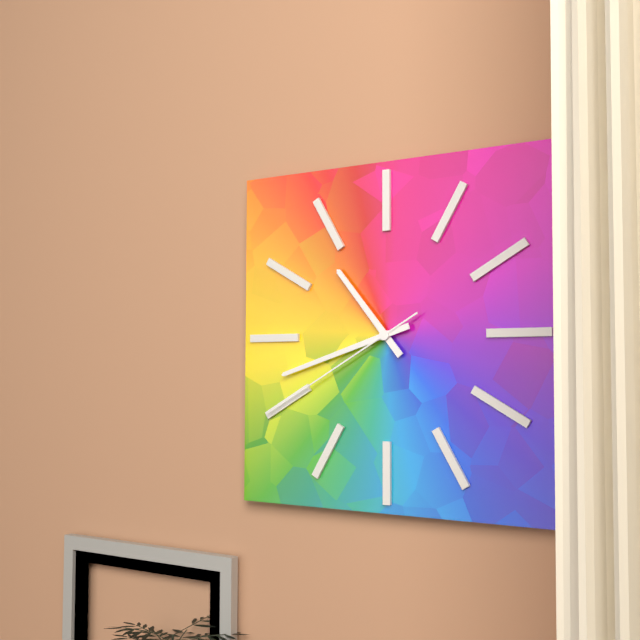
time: 10.42.40
